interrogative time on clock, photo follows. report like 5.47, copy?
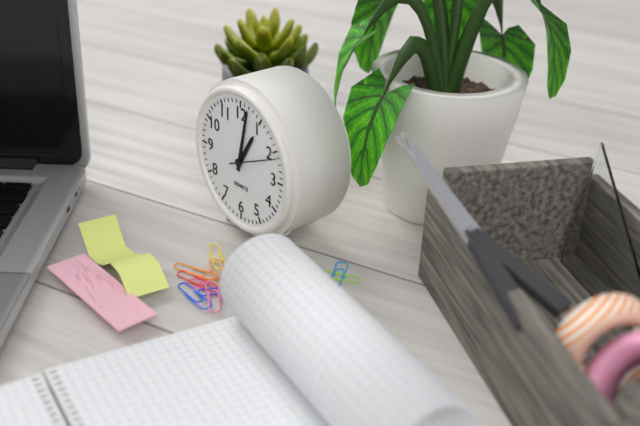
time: 1.02
